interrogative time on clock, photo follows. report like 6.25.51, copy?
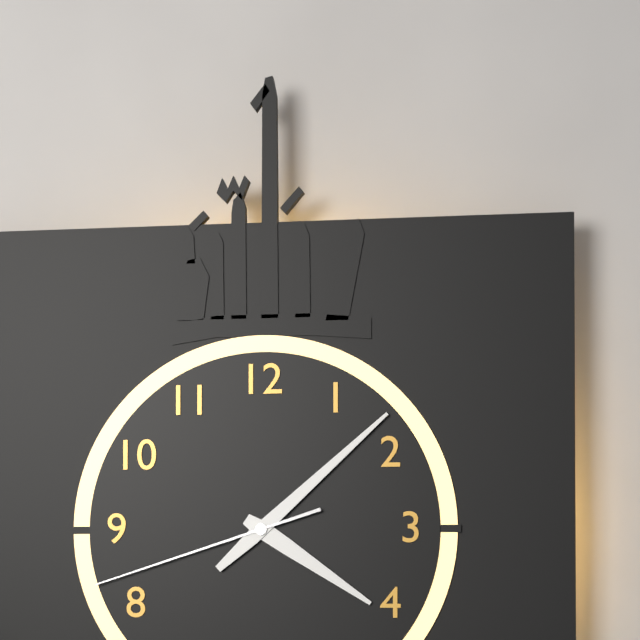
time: 4.08.42
